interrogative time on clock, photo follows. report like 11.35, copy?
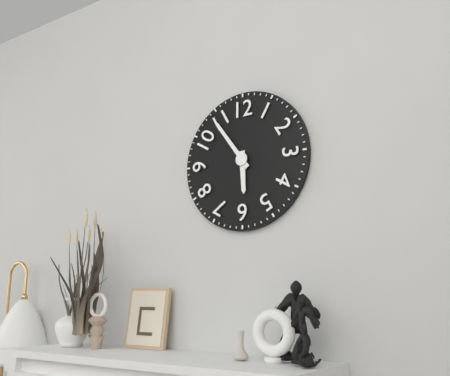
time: 5.54
